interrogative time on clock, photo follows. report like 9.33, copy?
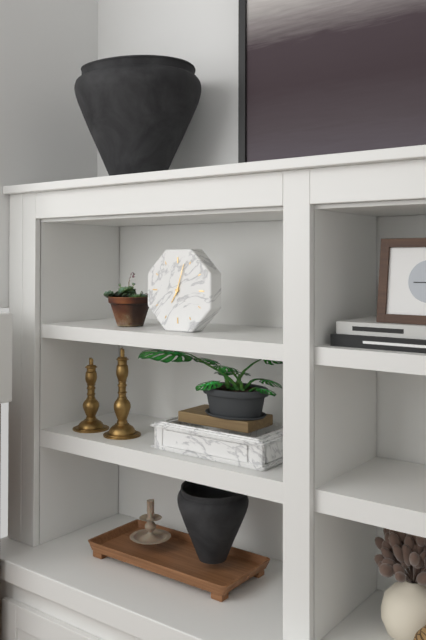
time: 7.03
